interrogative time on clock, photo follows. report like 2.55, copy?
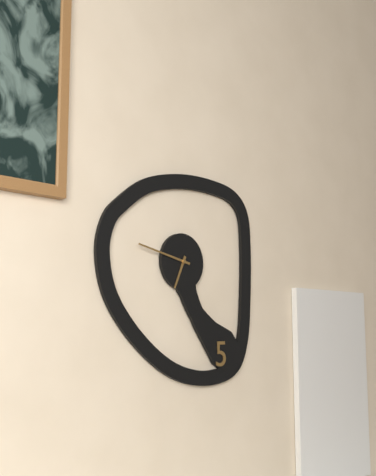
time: 6.47
